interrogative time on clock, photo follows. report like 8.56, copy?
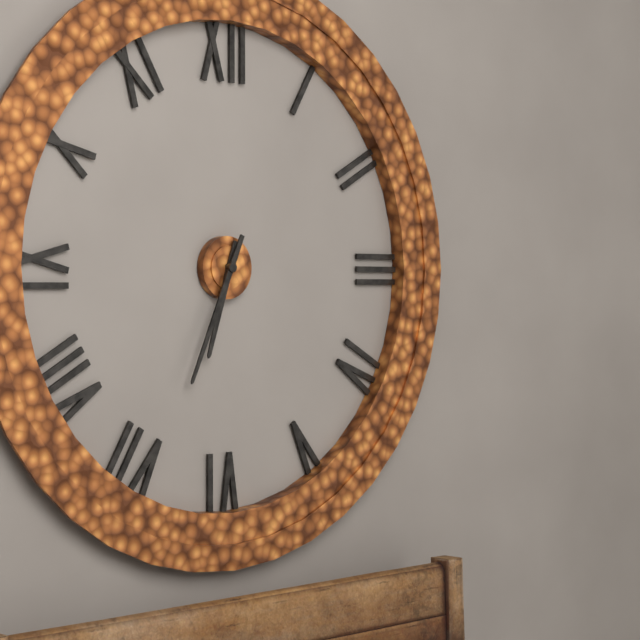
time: 6.34
